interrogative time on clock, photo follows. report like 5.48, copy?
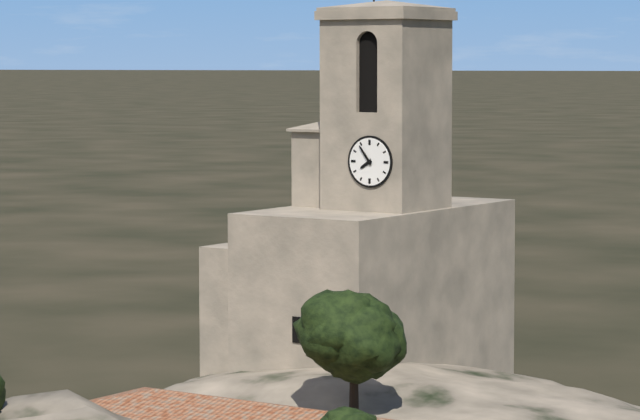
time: 7.54
